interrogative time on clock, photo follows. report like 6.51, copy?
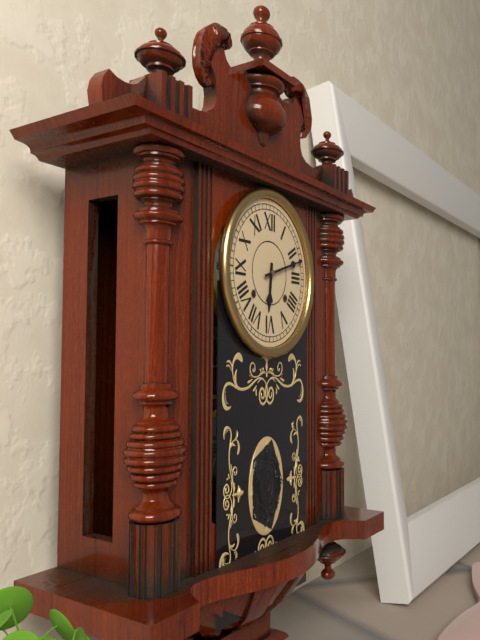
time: 6.12
